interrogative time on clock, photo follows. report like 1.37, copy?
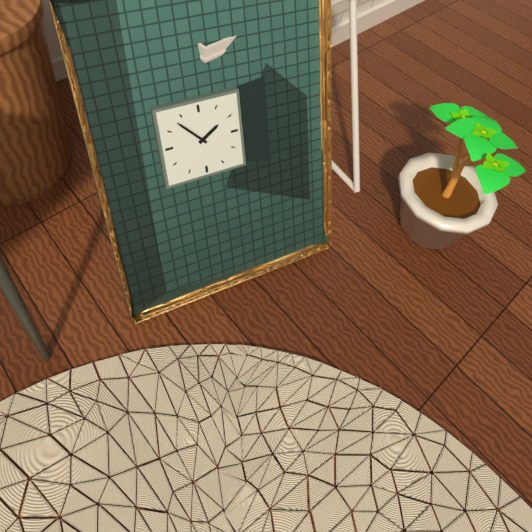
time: 1.53
